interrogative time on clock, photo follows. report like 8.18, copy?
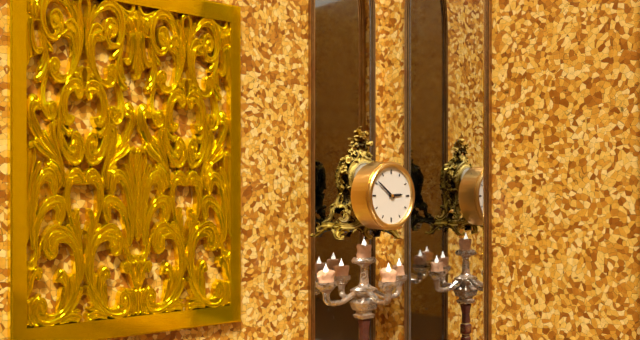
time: 2.51
